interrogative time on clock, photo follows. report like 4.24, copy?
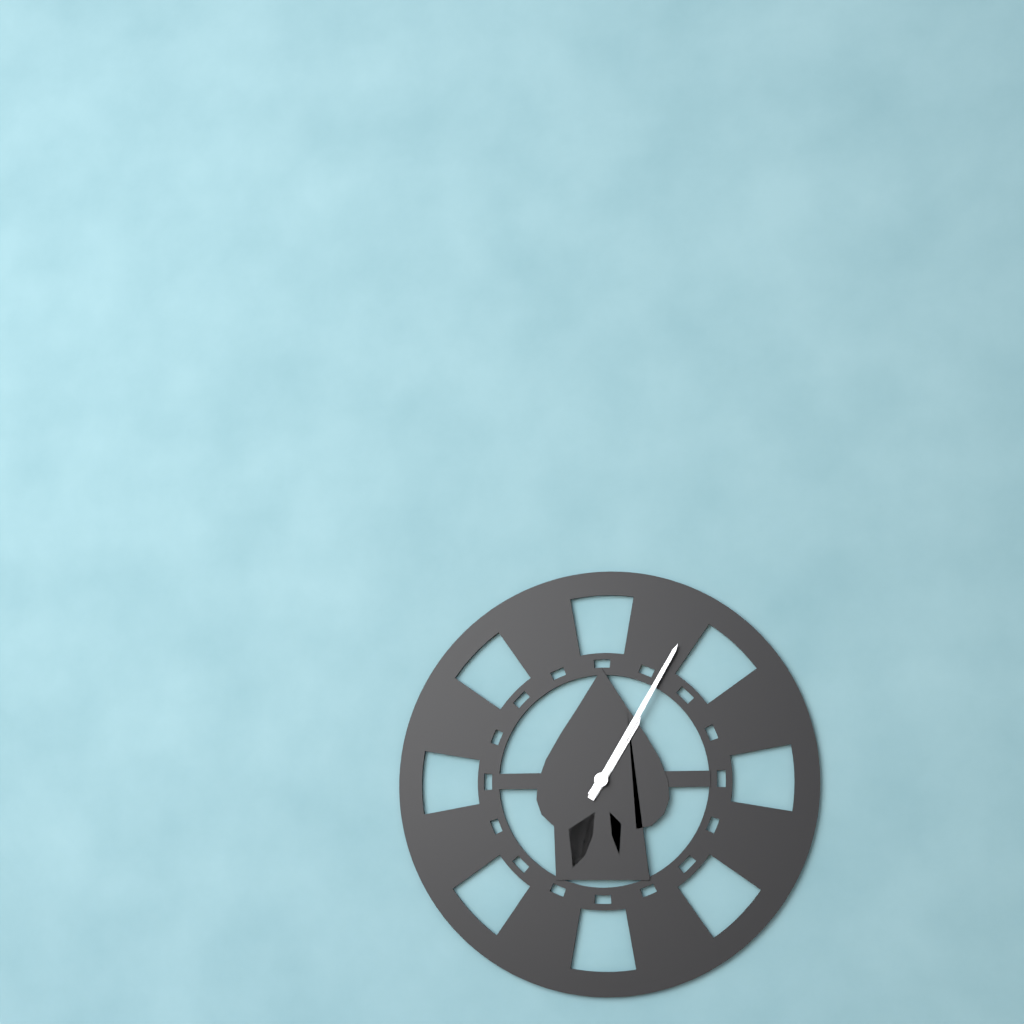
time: 1.05
